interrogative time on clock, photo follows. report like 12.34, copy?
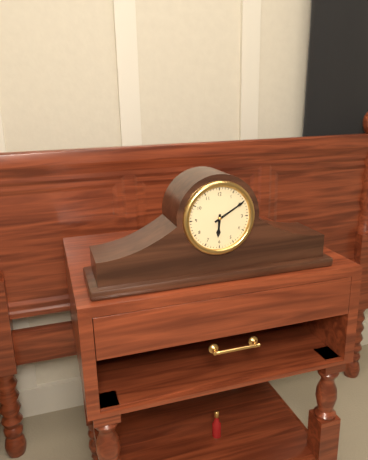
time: 6.10
